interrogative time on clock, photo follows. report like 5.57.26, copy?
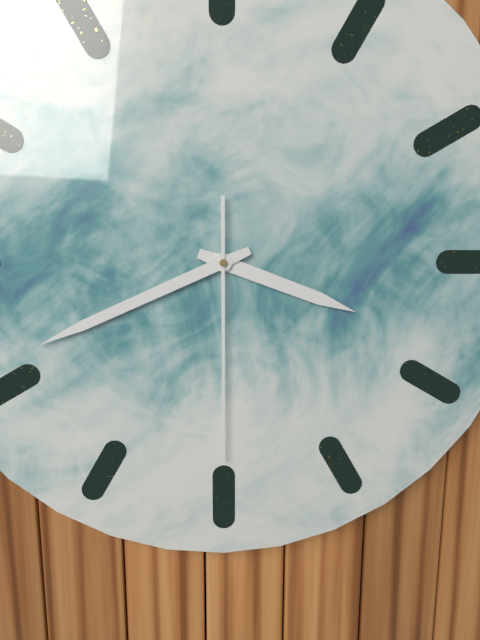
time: 3.41.30
